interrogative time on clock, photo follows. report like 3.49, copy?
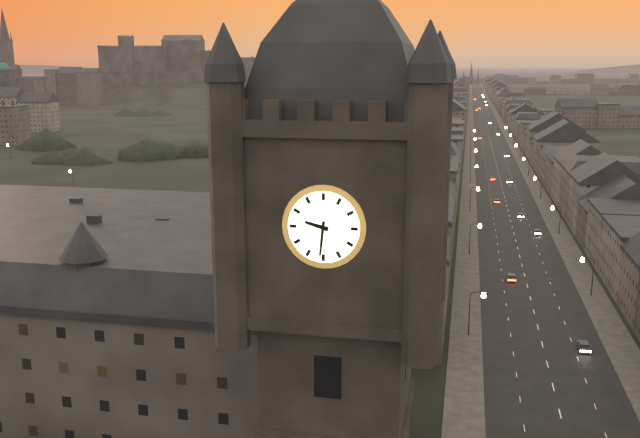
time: 9.31
